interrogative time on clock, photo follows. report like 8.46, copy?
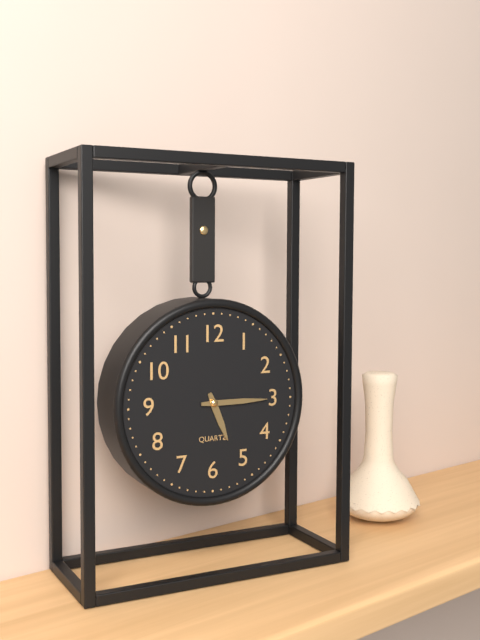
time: 5.15
